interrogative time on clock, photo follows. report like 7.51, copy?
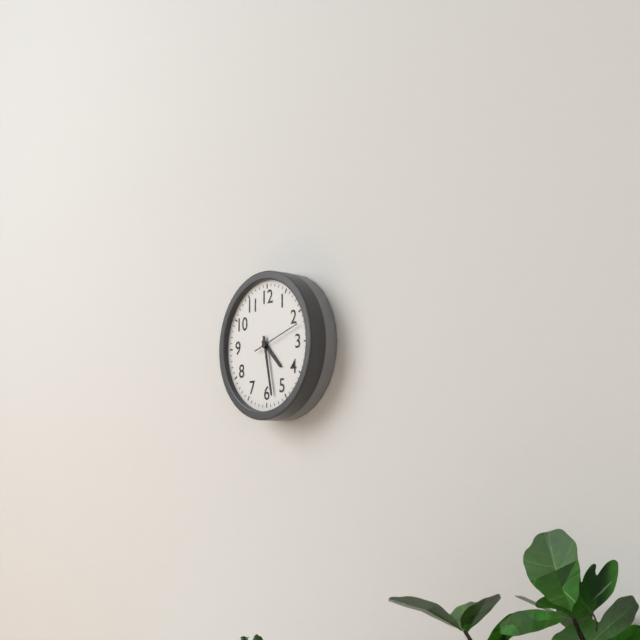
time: 4.28
